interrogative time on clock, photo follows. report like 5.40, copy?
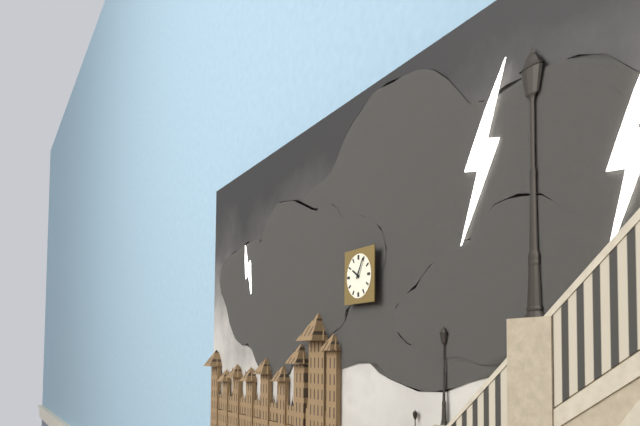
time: 10.05
